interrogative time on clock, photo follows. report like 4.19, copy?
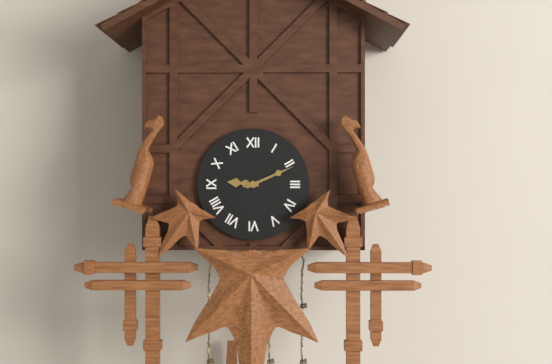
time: 9.11
